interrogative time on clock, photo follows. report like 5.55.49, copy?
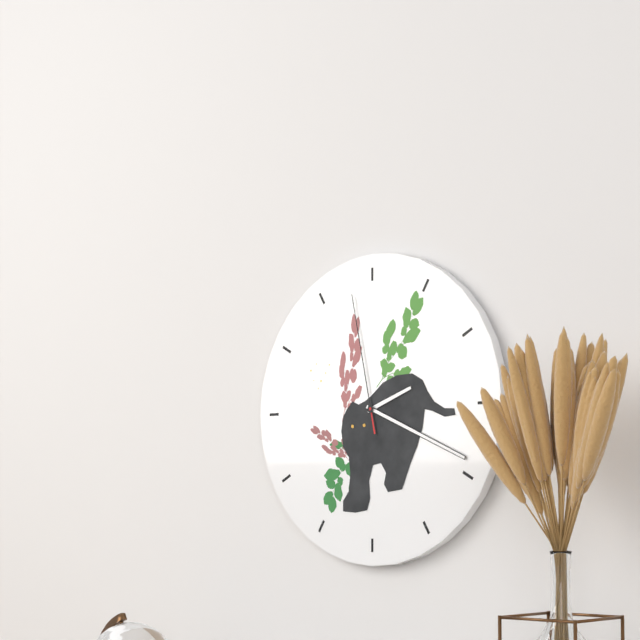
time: 2.19.58
